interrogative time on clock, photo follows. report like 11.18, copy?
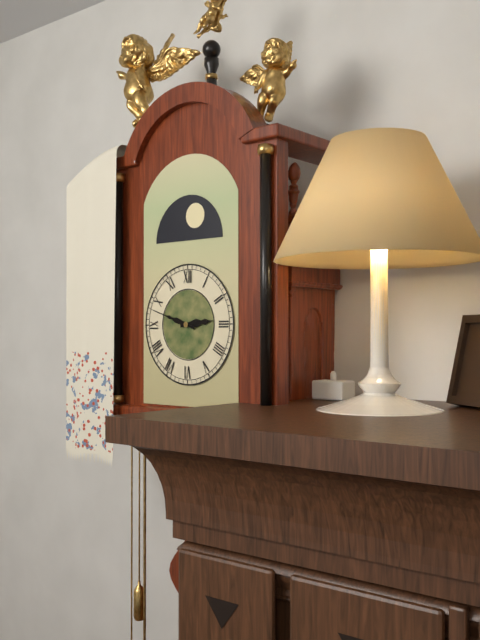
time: 2.48
